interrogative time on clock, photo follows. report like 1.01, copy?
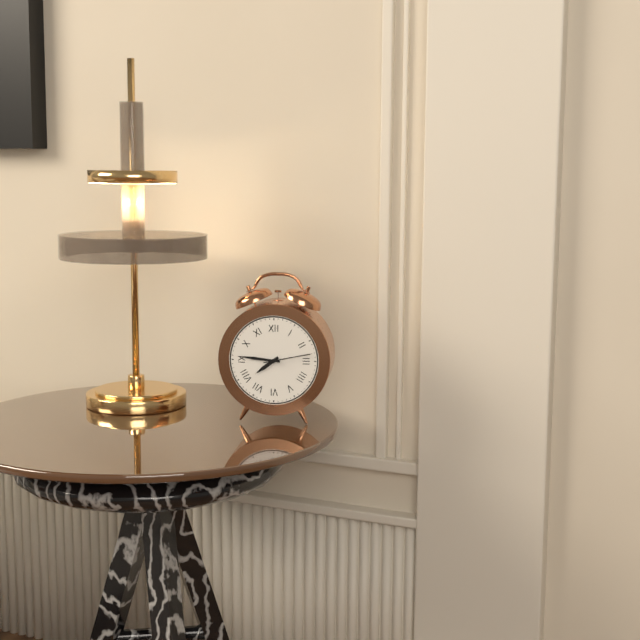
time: 7.46
